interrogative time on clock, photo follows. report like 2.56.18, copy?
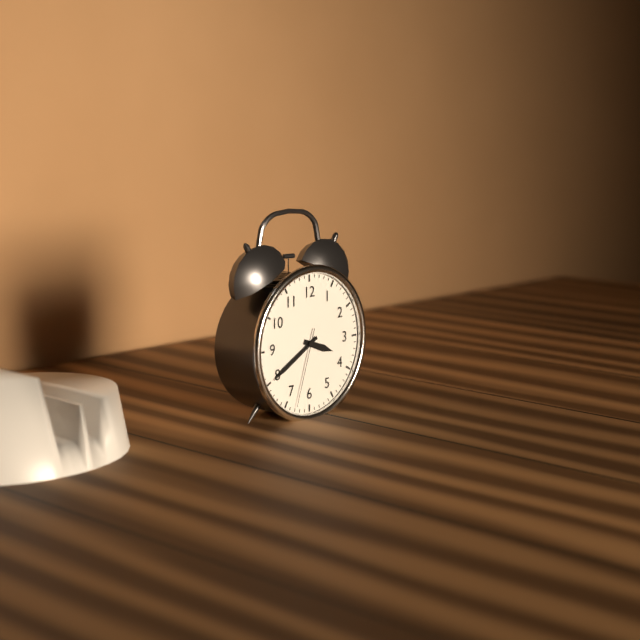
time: 3.40.33
